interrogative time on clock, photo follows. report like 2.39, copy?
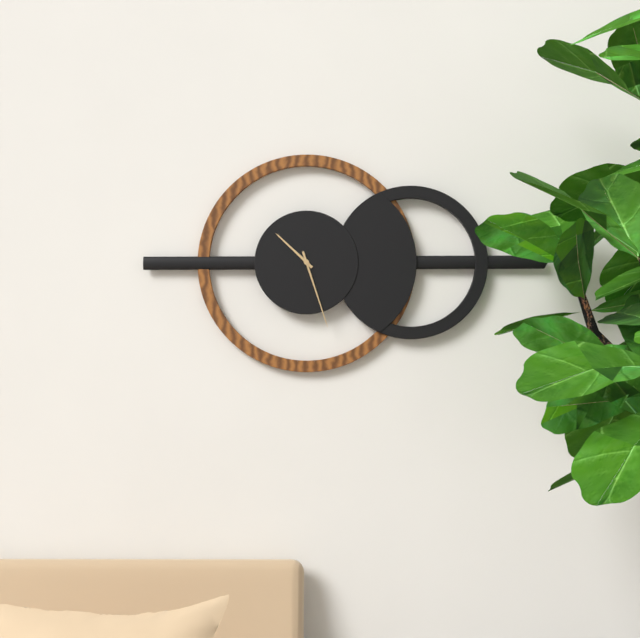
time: 10.27
